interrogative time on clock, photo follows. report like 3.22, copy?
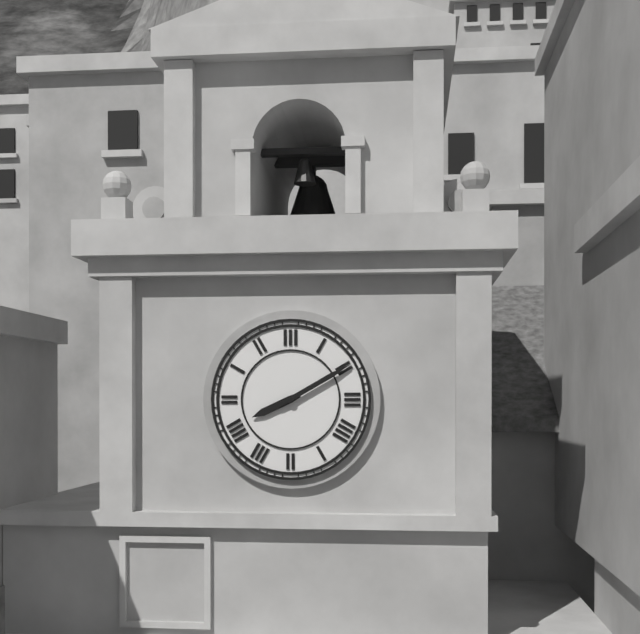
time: 8.10
